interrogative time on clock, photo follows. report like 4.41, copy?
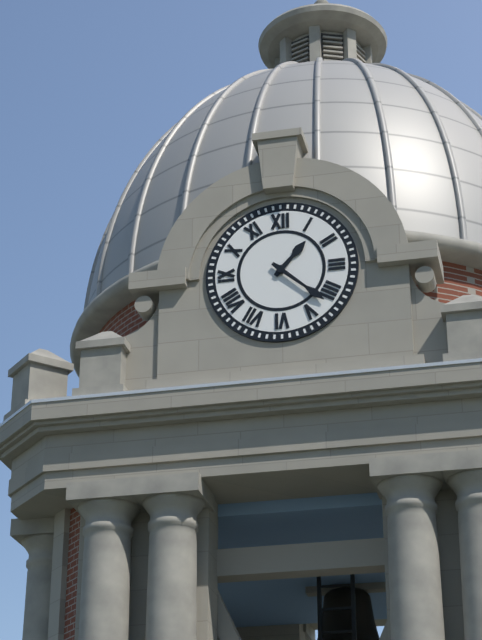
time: 1.22
